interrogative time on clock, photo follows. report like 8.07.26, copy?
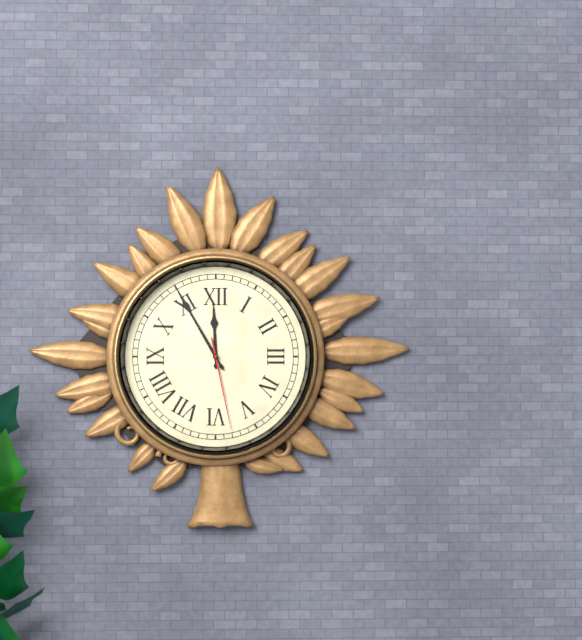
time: 11.55.28
